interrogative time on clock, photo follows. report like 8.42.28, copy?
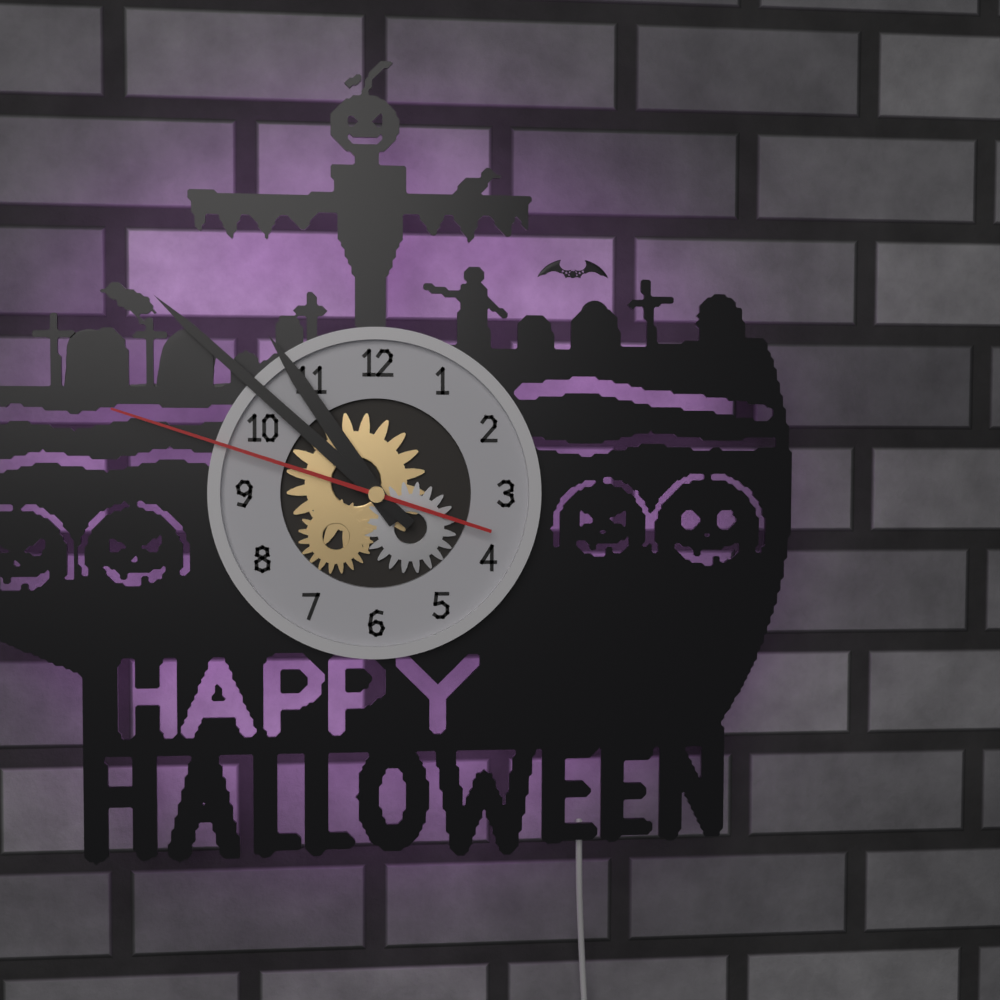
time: 10.52.48
